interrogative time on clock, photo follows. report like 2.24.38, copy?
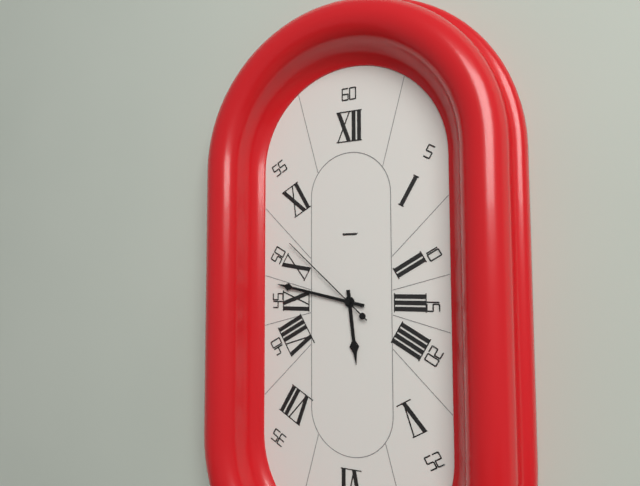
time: 5.47.52
